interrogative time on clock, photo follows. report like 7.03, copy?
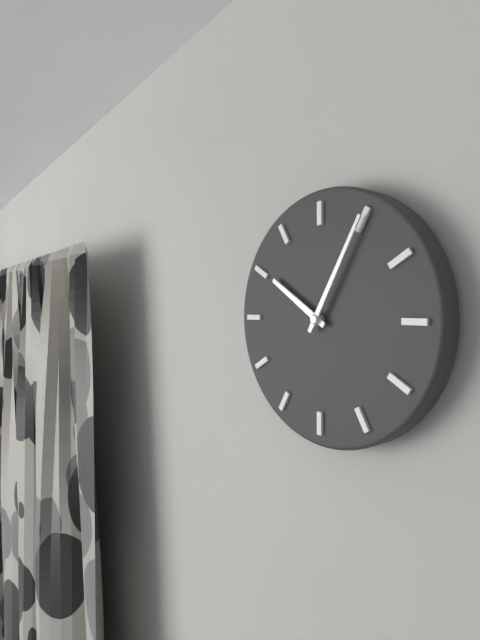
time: 10.05
